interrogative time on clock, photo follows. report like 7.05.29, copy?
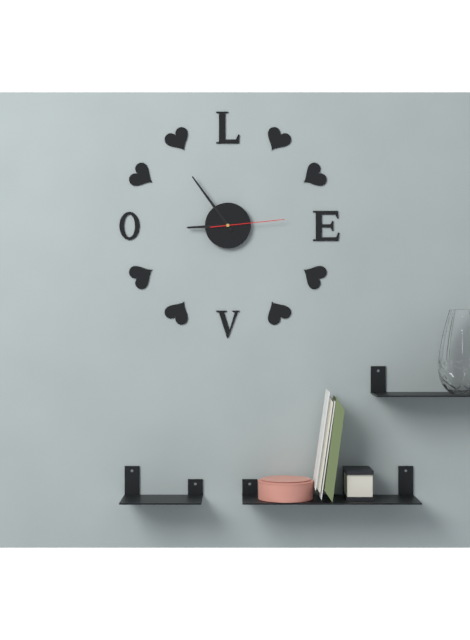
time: 8.54.14
